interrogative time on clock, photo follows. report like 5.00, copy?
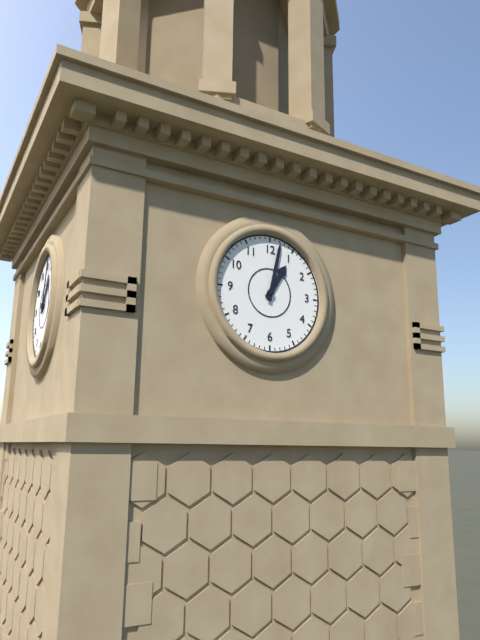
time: 1.02
